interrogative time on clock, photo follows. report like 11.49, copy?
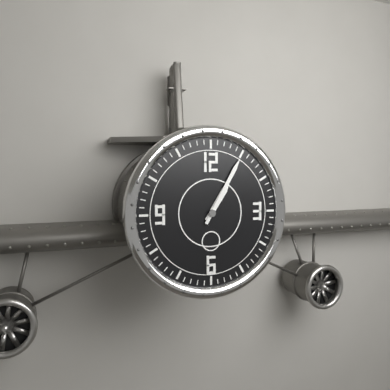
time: 1.05
